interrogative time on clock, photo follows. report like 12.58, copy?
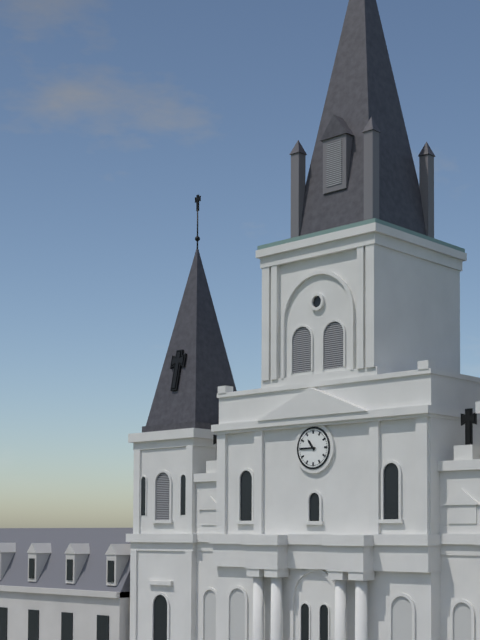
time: 10.45
